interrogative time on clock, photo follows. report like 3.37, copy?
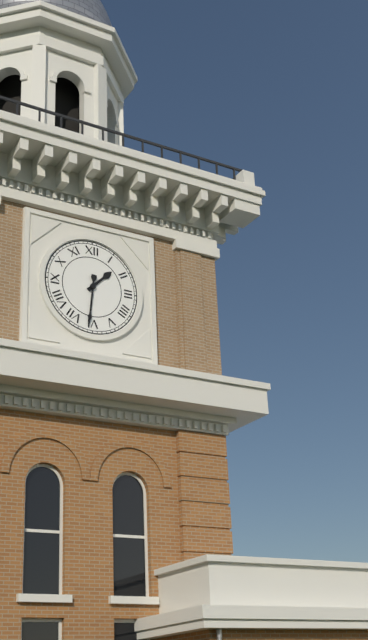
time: 1.31
